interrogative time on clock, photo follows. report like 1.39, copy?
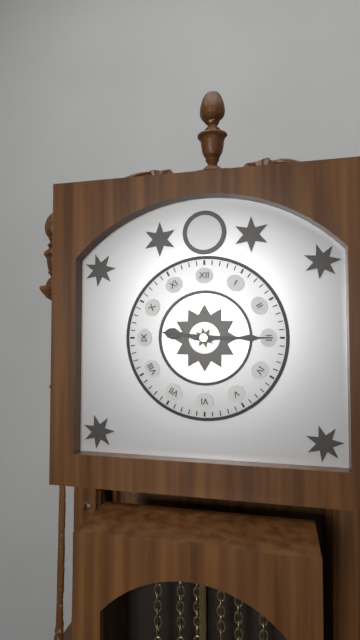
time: 9.15
